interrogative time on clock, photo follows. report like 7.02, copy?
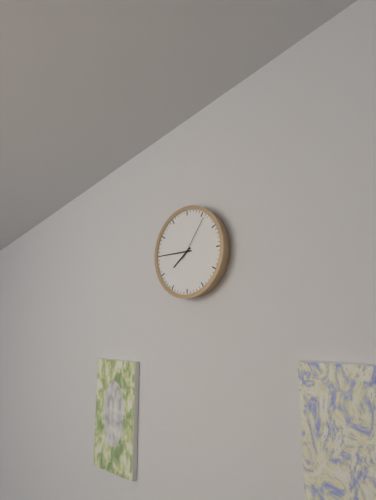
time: 7.45
